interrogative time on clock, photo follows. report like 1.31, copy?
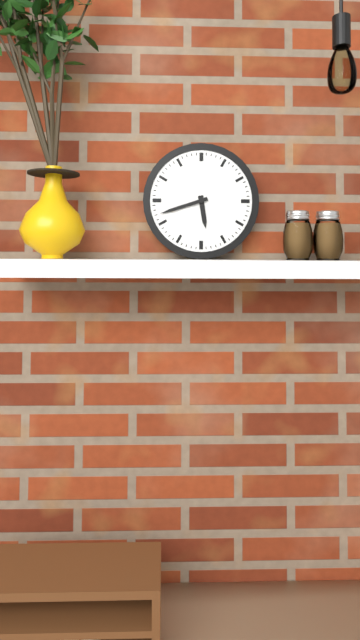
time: 5.42
